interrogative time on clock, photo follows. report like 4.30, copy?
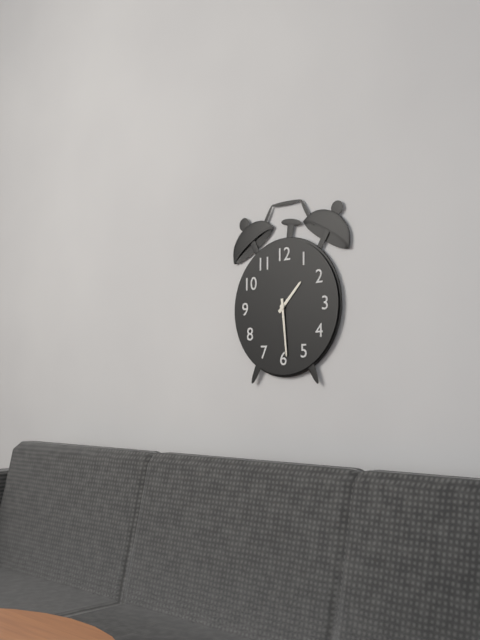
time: 1.29
